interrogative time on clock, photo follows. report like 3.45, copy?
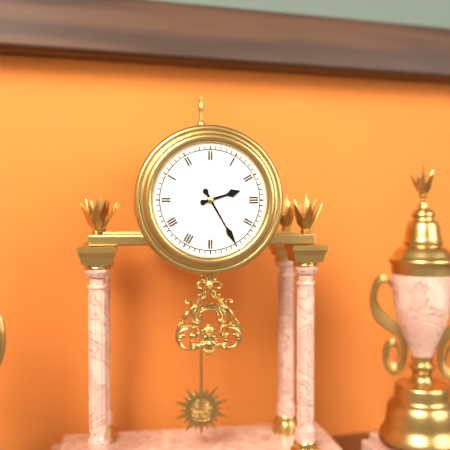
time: 2.25
